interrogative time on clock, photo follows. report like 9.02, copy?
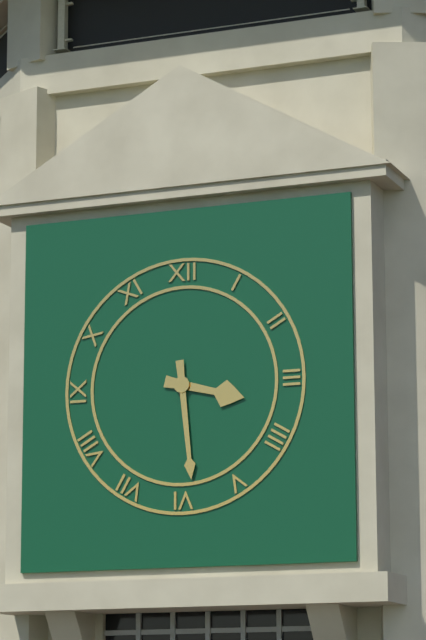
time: 3.29
